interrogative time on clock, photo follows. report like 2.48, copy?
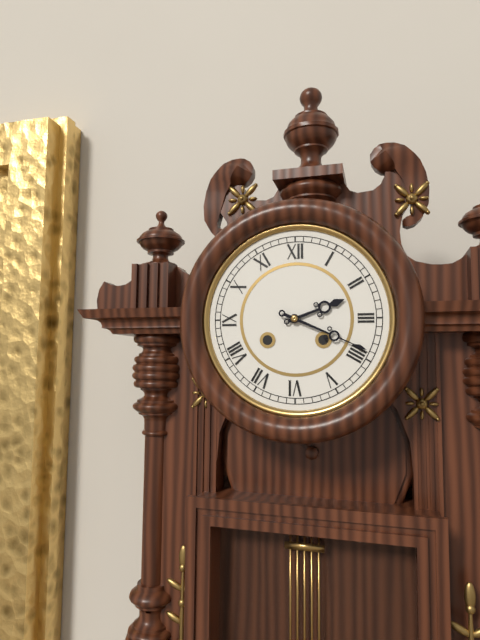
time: 2.19
